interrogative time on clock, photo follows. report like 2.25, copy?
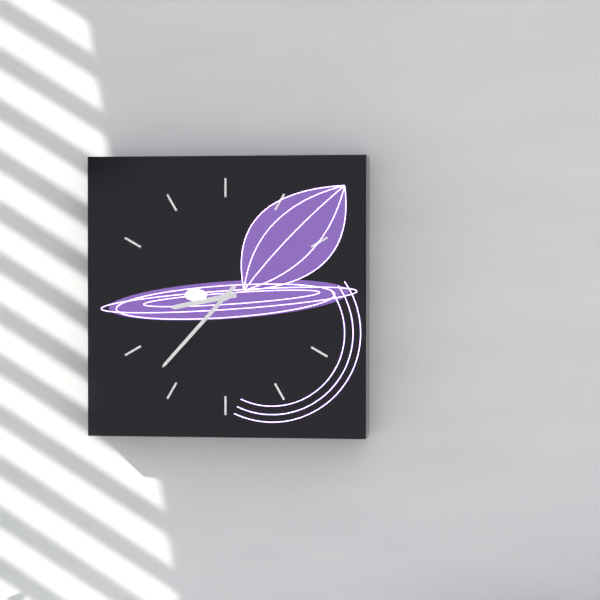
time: 8.37
